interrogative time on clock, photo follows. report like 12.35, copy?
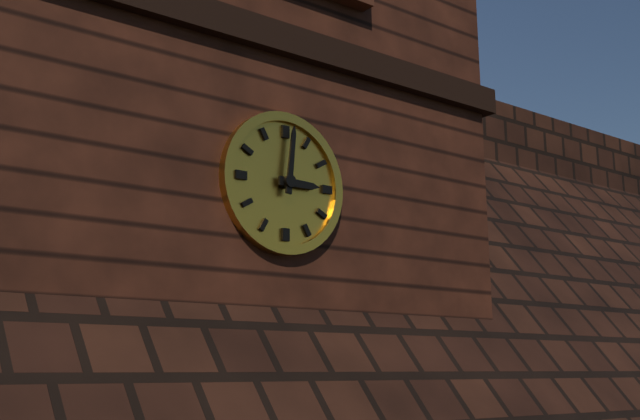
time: 3.01
